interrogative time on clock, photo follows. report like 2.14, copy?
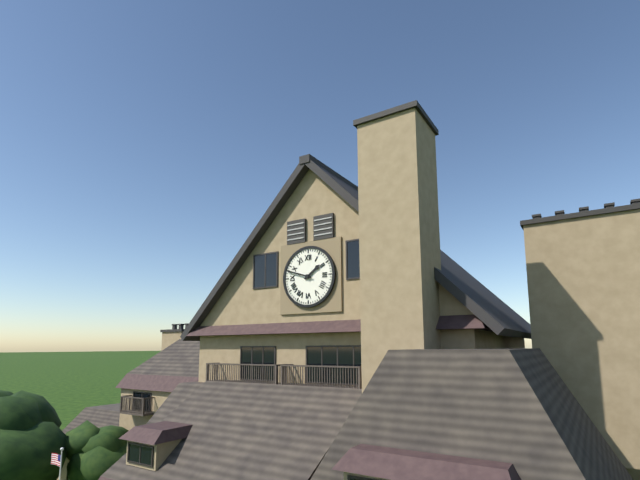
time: 1.48
